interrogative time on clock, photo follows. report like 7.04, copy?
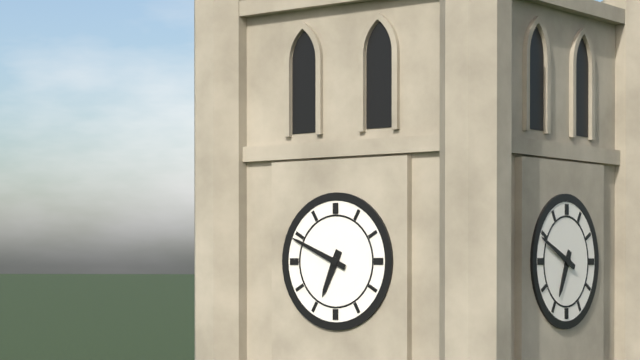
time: 6.49
